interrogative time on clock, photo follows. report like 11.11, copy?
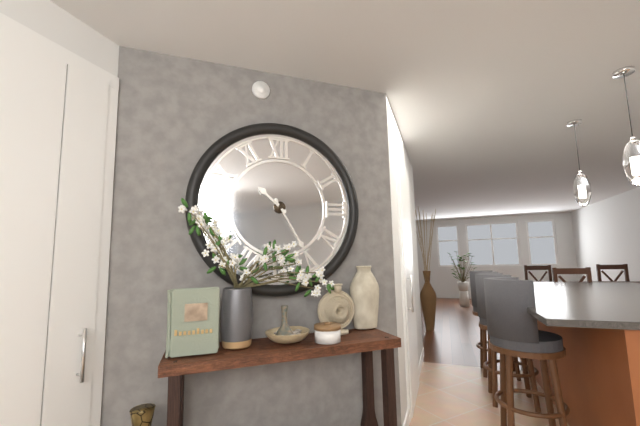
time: 10.25
